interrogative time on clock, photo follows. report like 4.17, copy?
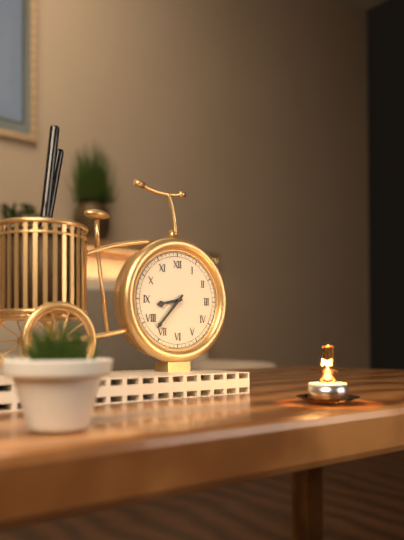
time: 8.37
